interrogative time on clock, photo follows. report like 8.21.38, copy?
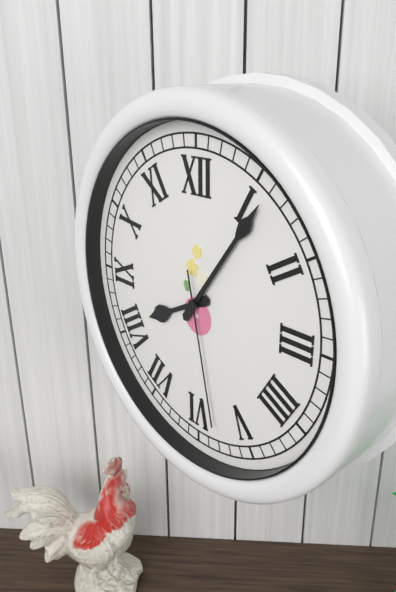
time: 8.06.28
